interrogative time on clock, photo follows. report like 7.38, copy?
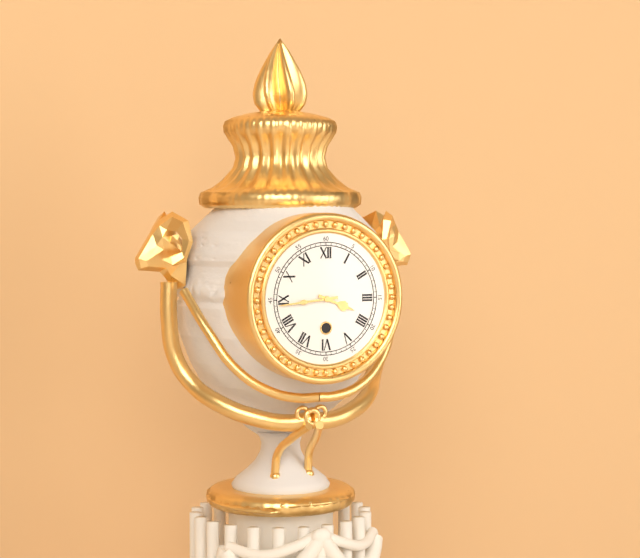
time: 3.44
